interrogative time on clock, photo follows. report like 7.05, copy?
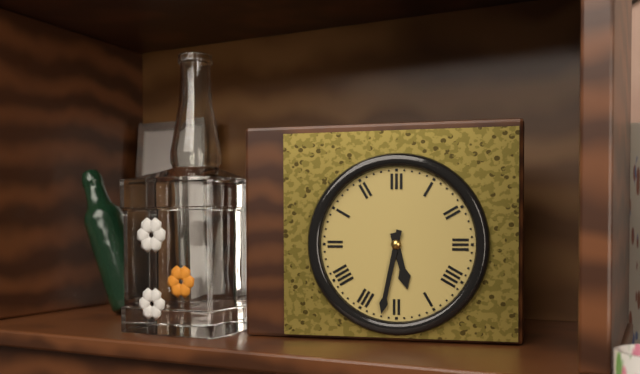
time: 5.32
